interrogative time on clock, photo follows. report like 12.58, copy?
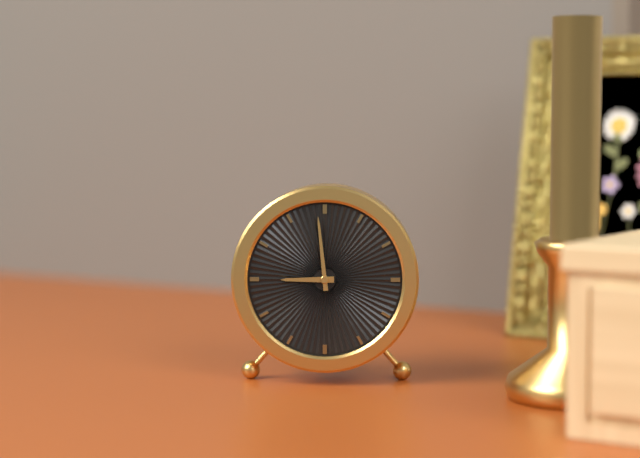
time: 8.59
